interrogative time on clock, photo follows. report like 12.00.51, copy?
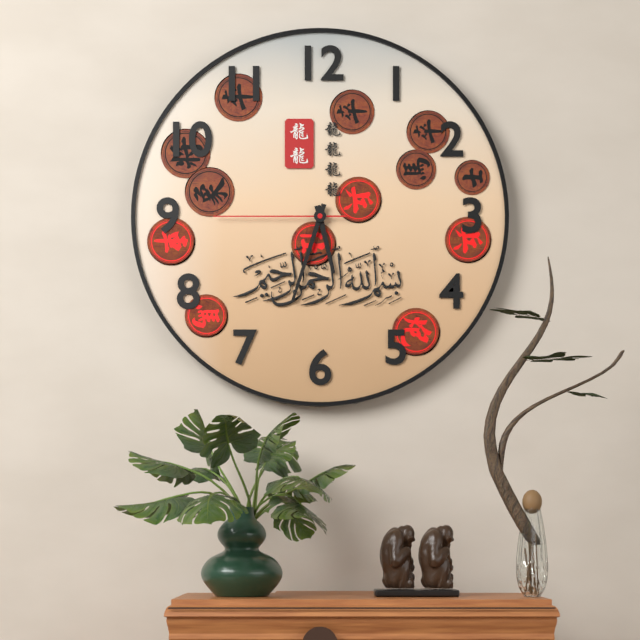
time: 5.33.45
